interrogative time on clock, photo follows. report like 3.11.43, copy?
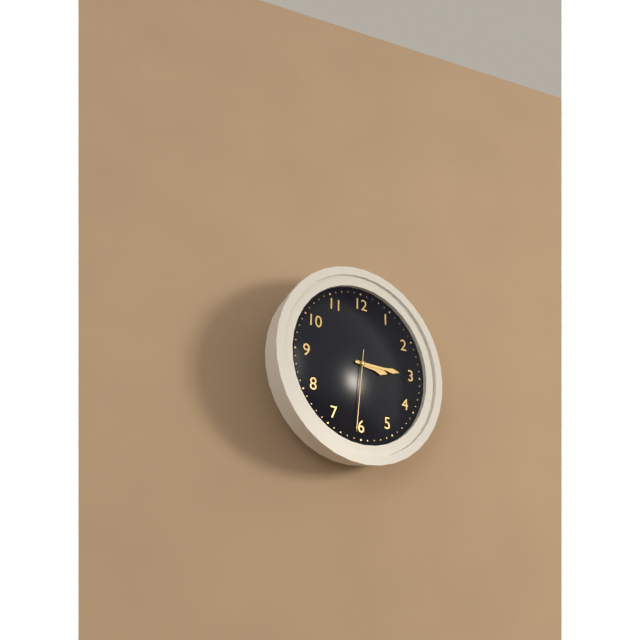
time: 3.15.31
